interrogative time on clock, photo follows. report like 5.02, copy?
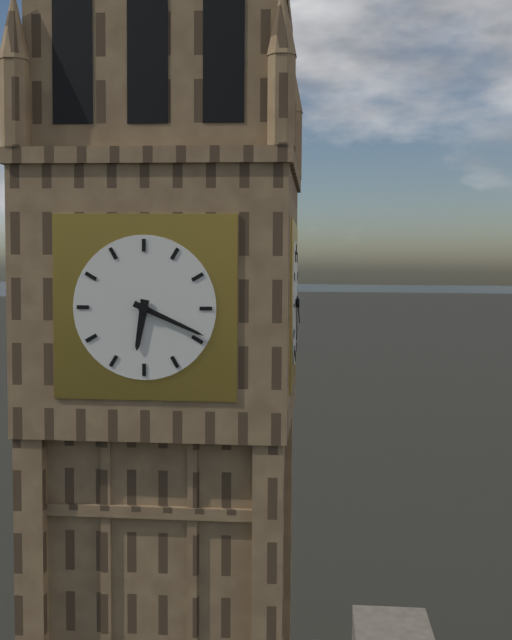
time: 6.19
